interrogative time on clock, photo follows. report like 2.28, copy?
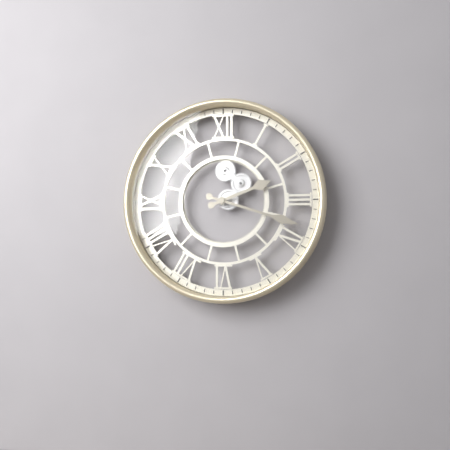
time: 2.18
